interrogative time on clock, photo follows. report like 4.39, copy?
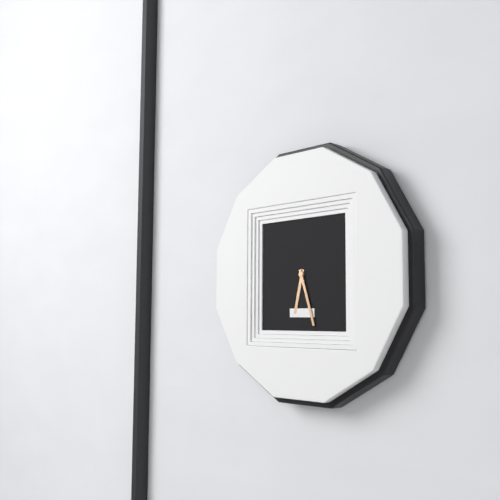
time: 6.27
